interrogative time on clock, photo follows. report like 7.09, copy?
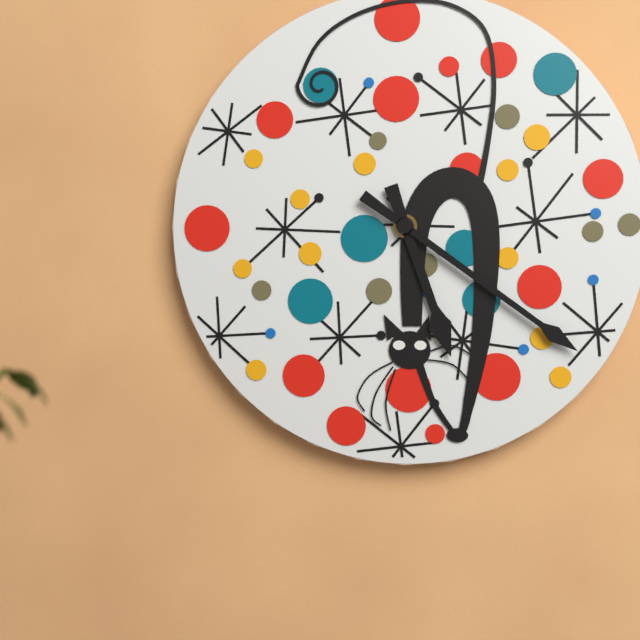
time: 5.21
